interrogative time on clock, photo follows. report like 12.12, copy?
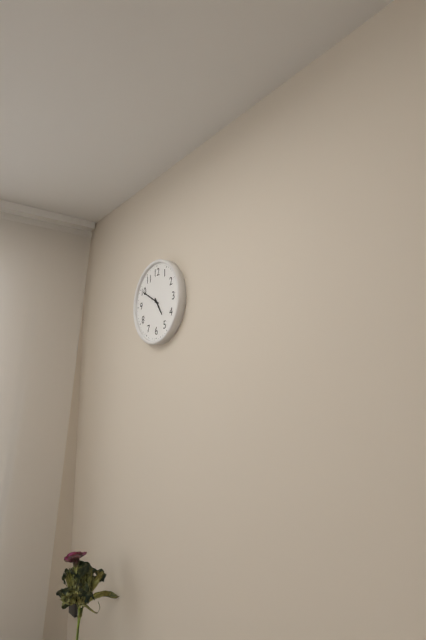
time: 4.50
